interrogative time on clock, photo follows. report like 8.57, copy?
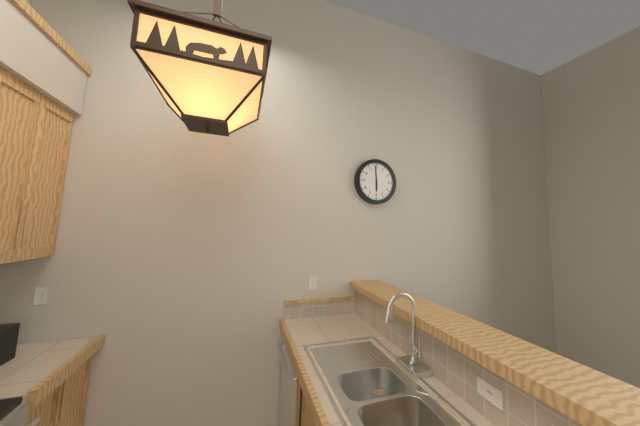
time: 5.59
